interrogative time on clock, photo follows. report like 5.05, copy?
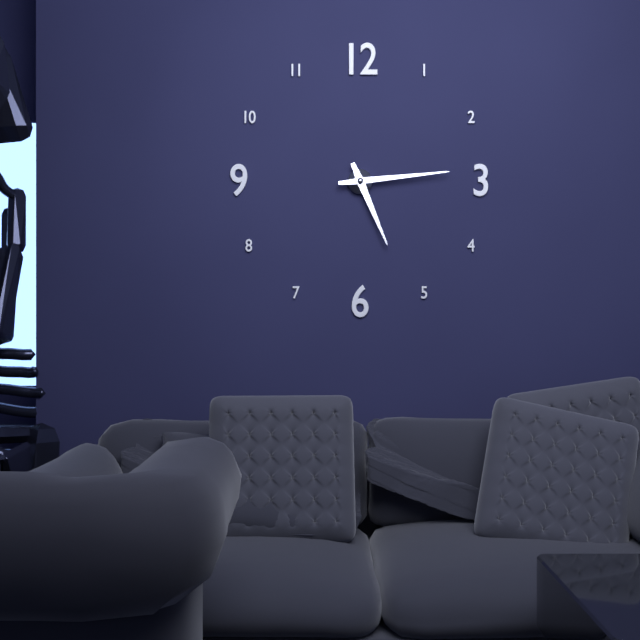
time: 5.14
